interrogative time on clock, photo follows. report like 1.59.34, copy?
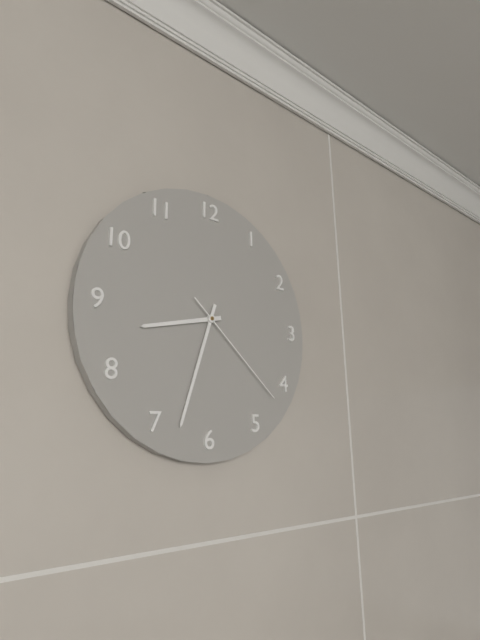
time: 8.33.22
